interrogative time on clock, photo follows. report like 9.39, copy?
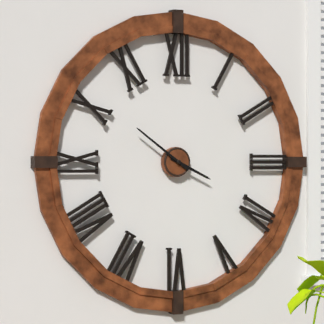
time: 3.51
